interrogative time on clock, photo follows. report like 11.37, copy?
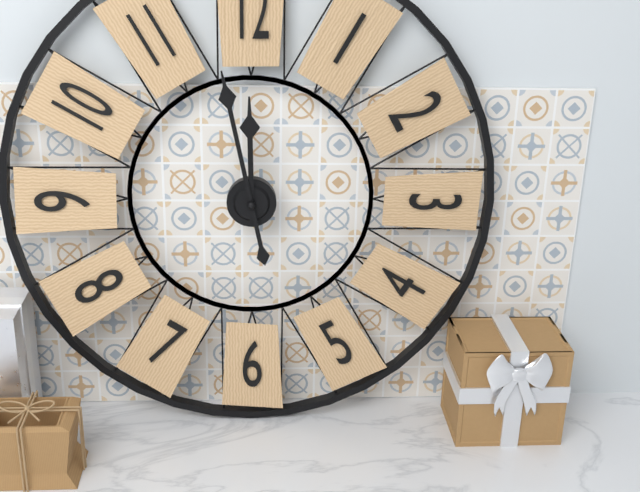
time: 11.58
